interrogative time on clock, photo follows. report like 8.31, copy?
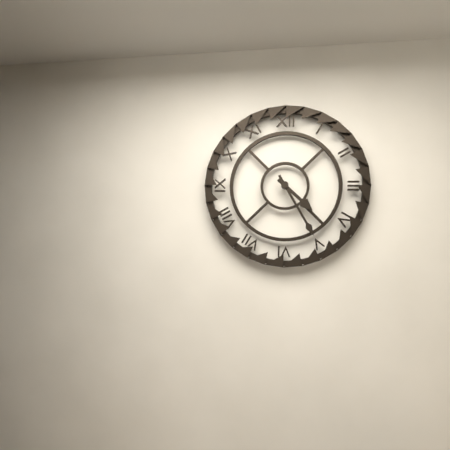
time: 4.25
